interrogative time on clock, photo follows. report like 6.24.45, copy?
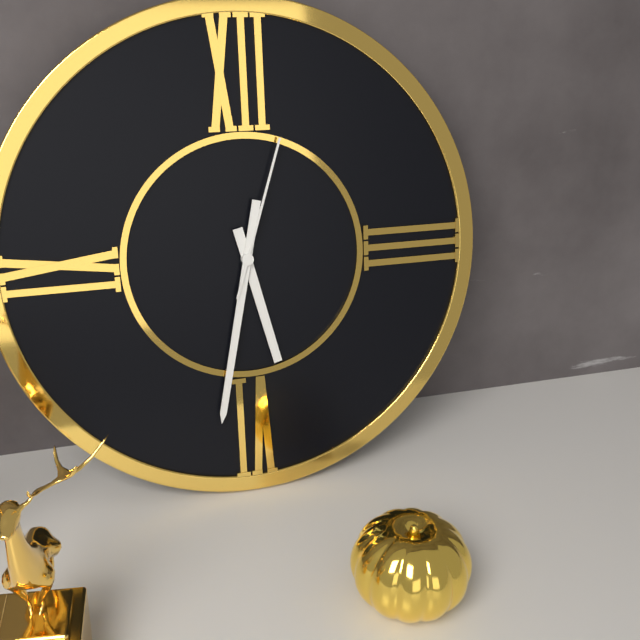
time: 5.32.03
